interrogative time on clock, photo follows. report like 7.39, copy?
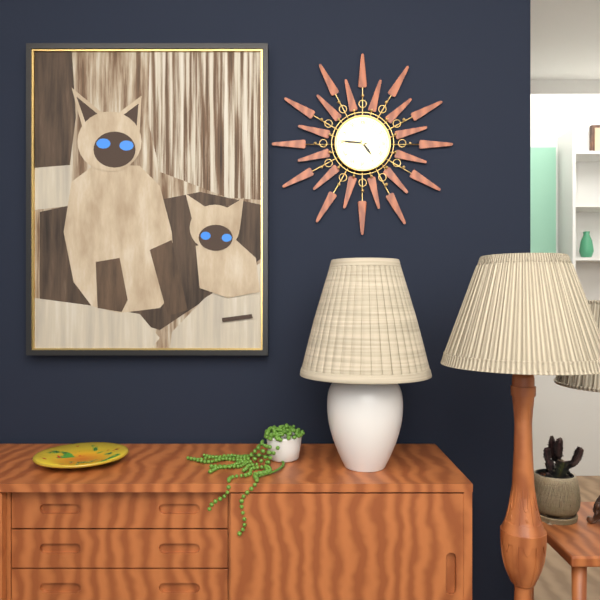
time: 4.46
